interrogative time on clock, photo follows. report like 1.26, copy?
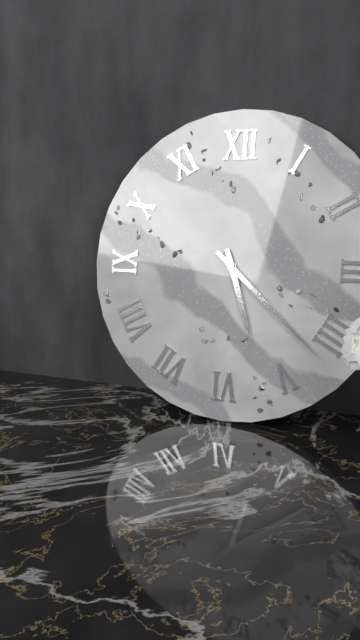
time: 5.22
